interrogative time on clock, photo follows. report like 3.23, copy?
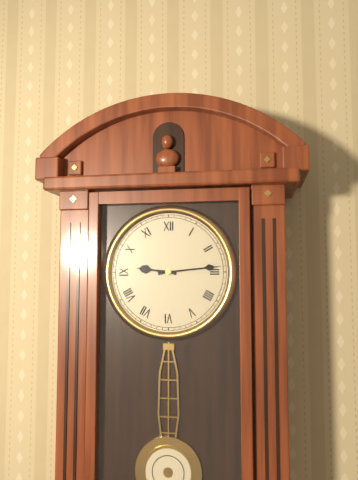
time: 9.14
